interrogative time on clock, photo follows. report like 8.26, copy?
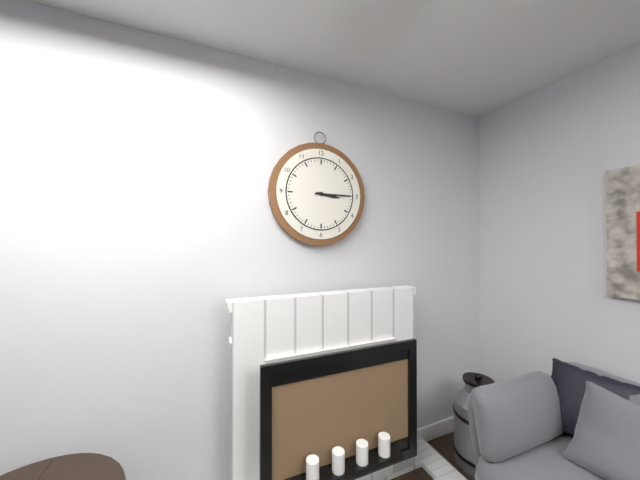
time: 3.15
